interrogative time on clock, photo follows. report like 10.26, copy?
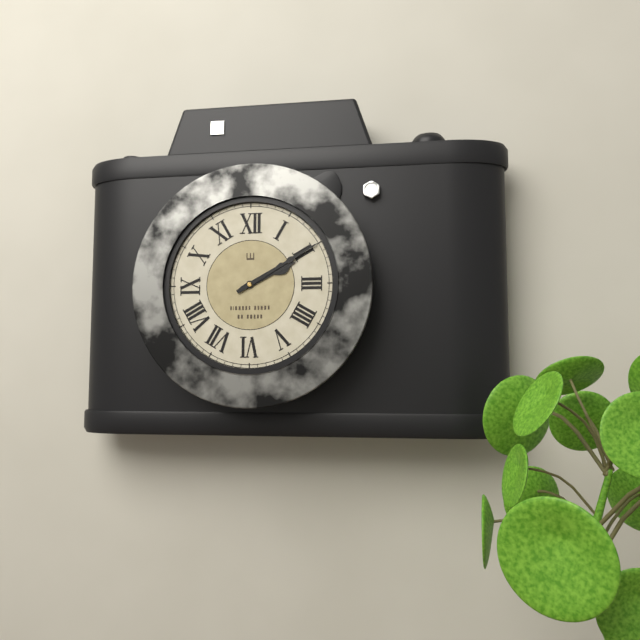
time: 2.10
